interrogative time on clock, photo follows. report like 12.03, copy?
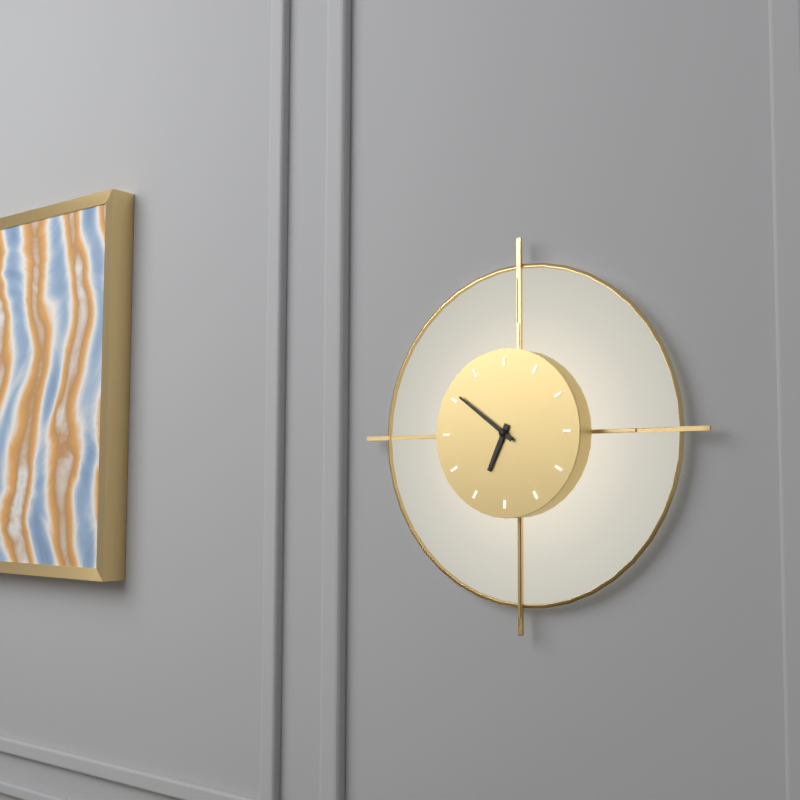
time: 6.51
